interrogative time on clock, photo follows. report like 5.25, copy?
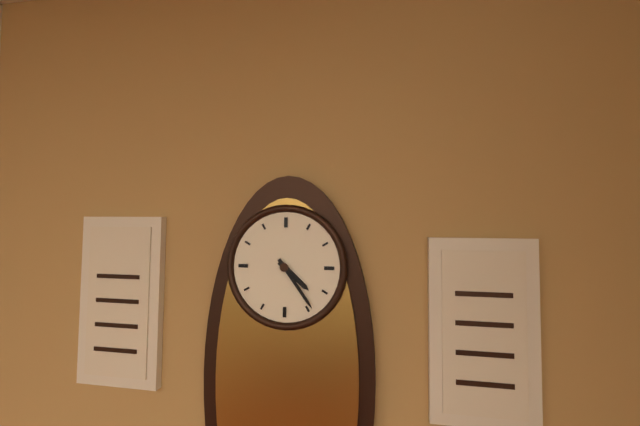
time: 4.24
